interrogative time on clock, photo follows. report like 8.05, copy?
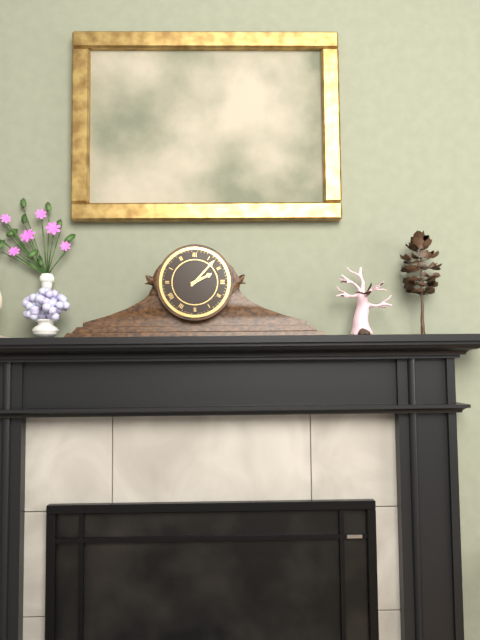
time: 2.07
